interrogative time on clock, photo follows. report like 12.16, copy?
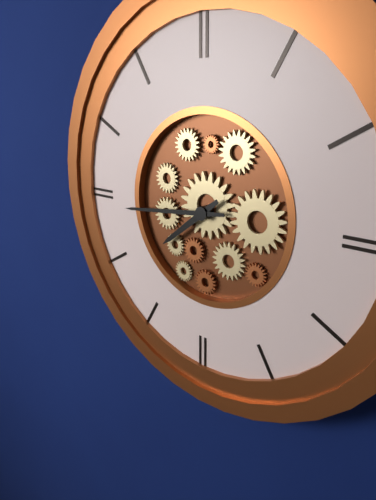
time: 7.44
